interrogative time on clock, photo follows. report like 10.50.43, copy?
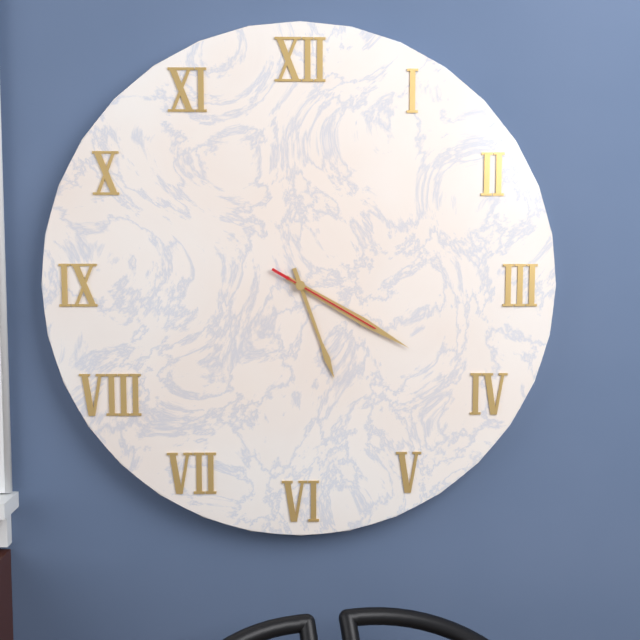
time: 5.20.20
